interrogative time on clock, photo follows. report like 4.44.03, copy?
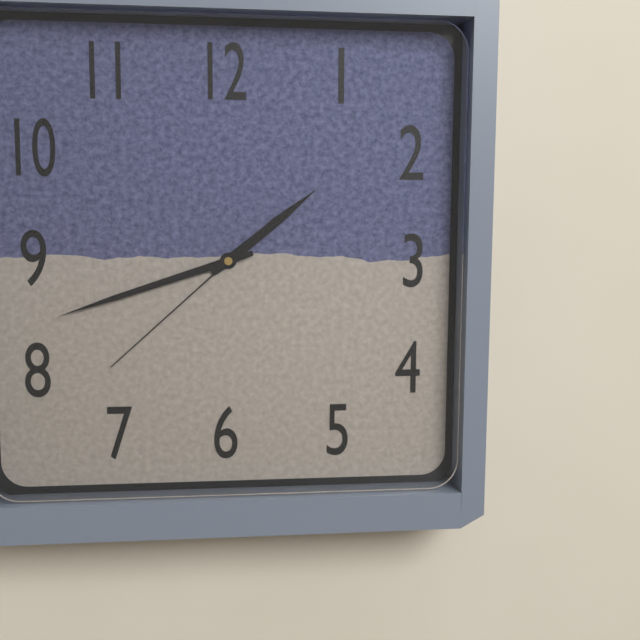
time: 1.42.38
